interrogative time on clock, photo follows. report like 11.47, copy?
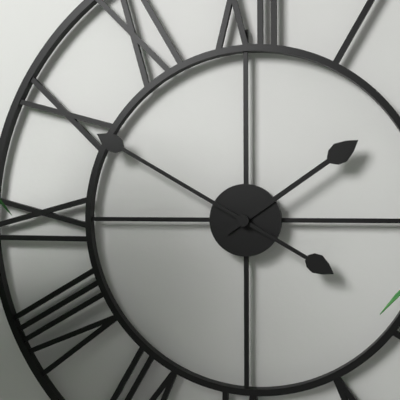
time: 1.50
